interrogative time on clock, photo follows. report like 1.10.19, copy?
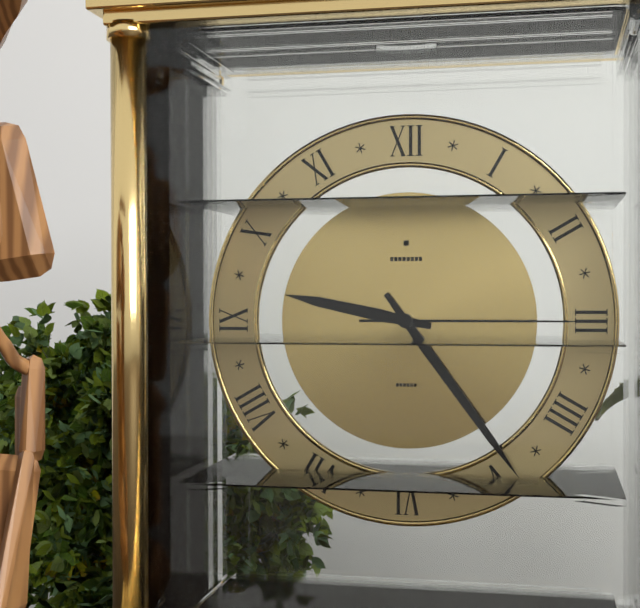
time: 9.24.15
